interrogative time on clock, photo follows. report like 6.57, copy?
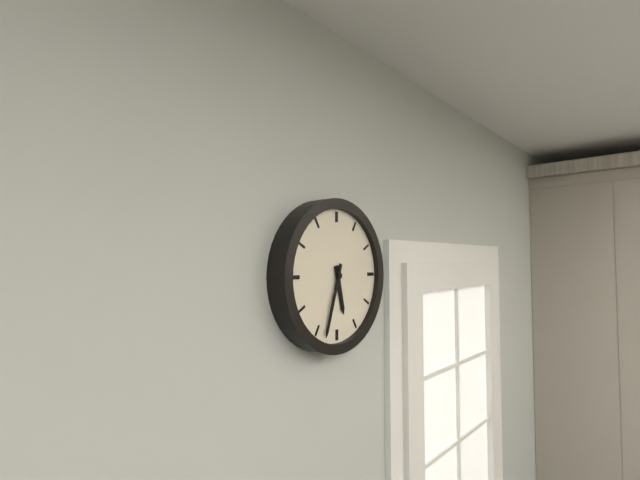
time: 5.33
